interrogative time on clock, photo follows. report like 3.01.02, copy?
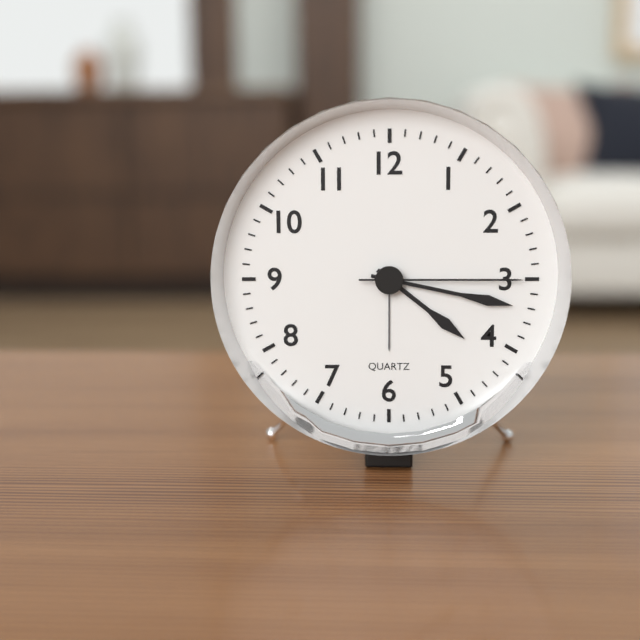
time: 4.17.15
